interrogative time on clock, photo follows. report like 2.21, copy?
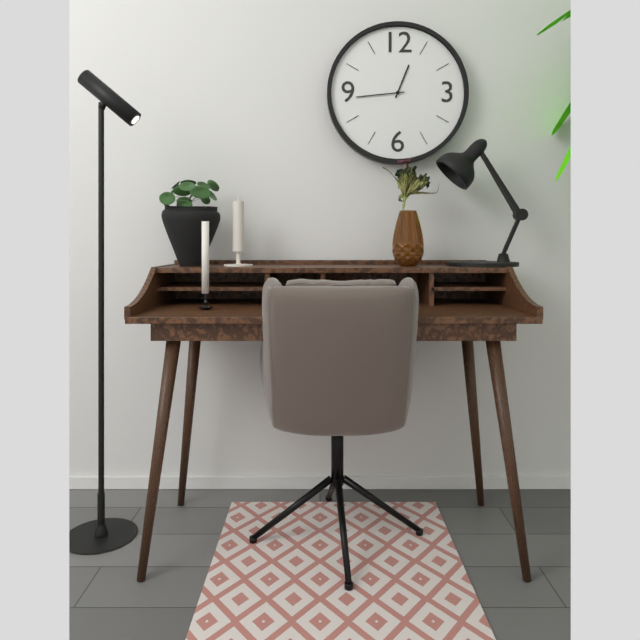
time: 12.44
